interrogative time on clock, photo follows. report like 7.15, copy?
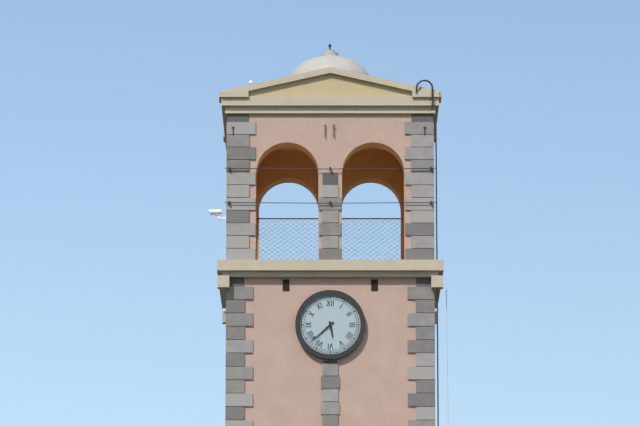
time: 5.38
